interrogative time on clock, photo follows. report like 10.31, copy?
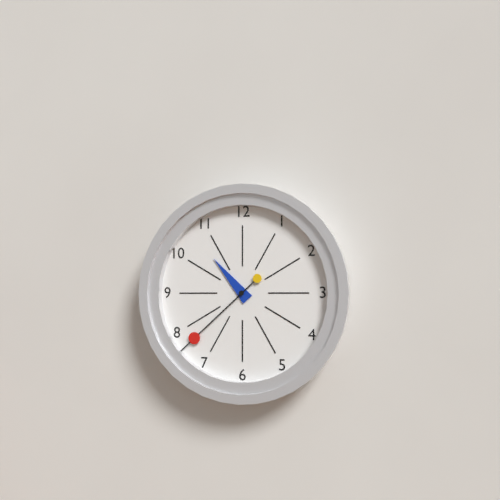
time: 10.38
